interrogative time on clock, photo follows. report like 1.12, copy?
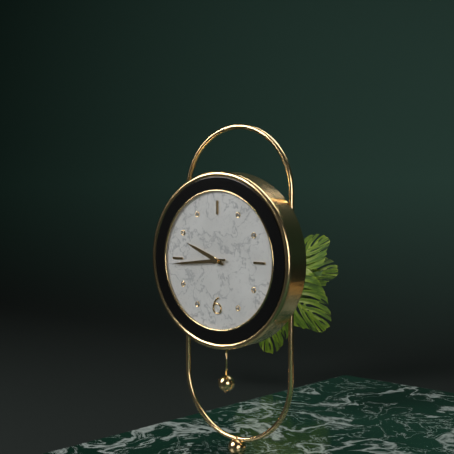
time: 9.44
